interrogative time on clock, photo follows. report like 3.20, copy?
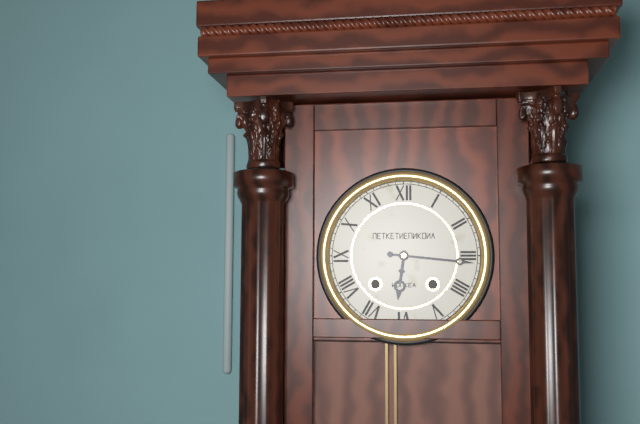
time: 6.16
